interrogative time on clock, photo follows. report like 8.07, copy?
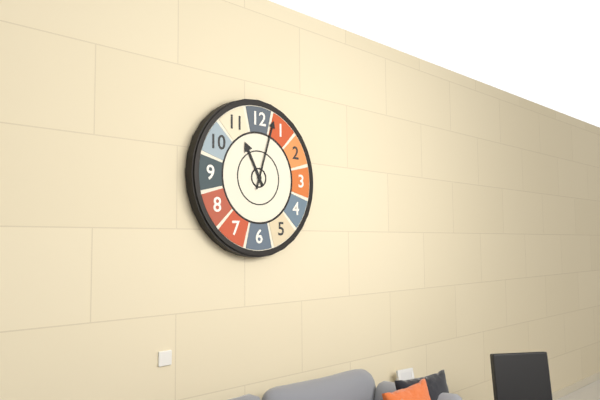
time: 11.03
